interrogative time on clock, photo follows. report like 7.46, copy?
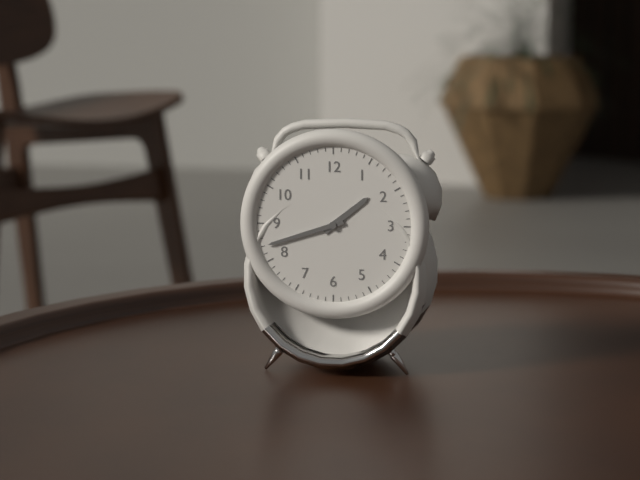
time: 1.42
